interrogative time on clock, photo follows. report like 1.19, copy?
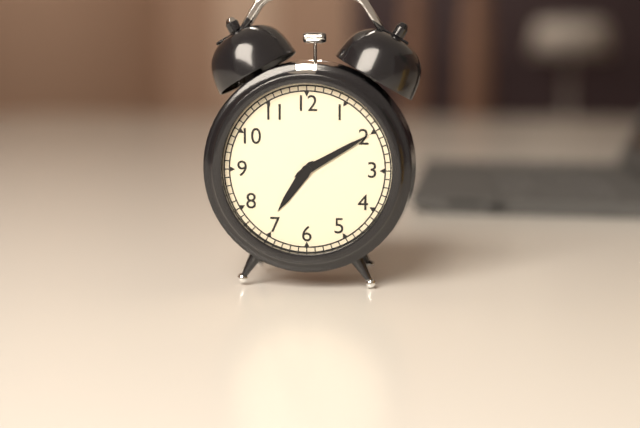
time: 7.10
